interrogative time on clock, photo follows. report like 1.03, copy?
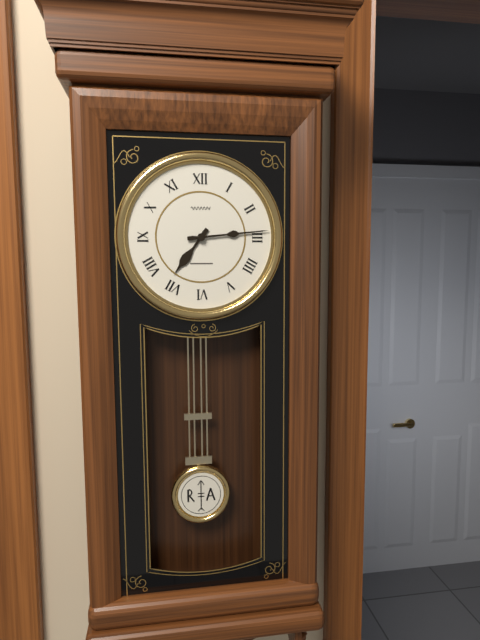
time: 7.14
